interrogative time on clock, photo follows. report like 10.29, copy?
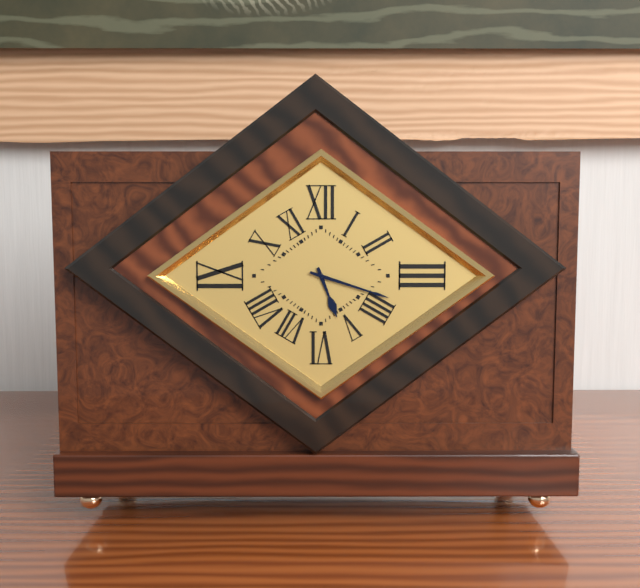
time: 5.18
